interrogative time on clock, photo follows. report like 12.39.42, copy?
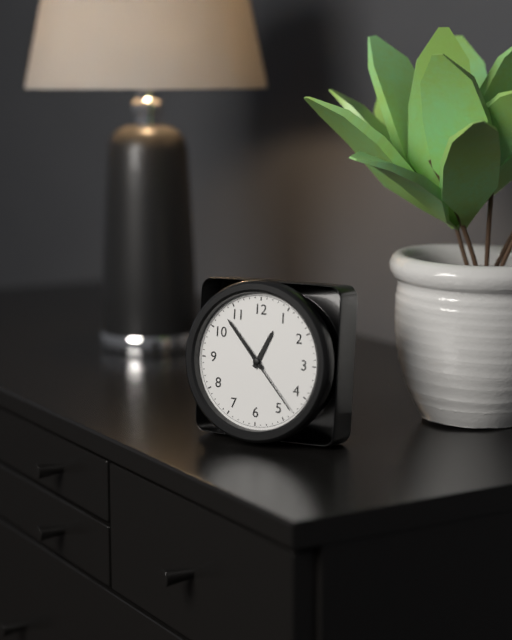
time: 12.53.23
